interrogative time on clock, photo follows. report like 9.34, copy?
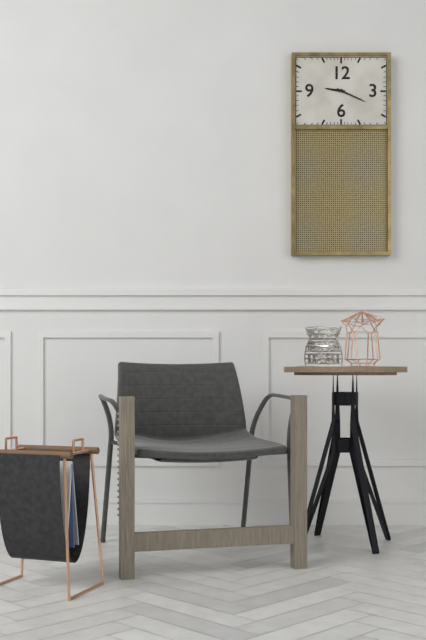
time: 9.19
